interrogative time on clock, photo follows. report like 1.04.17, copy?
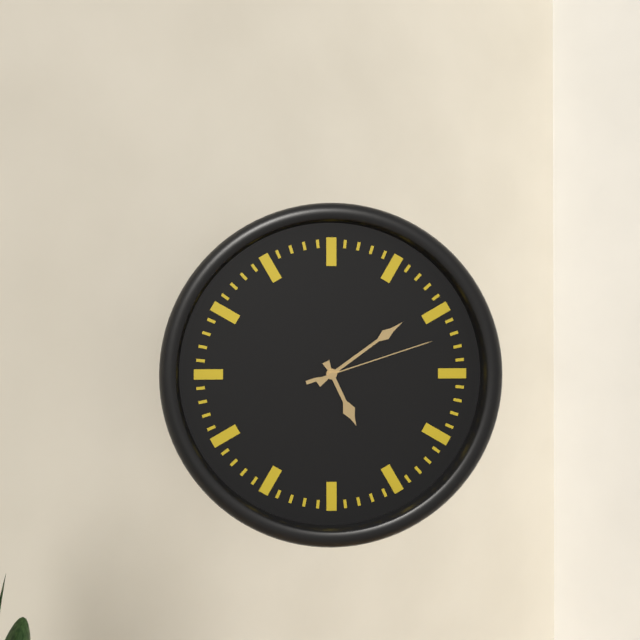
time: 5.09.12
